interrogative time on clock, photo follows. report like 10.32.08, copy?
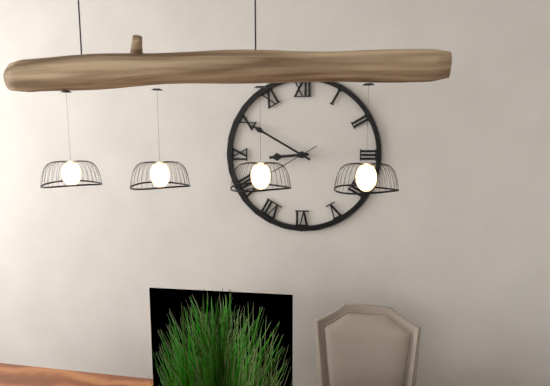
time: 8.50.40
